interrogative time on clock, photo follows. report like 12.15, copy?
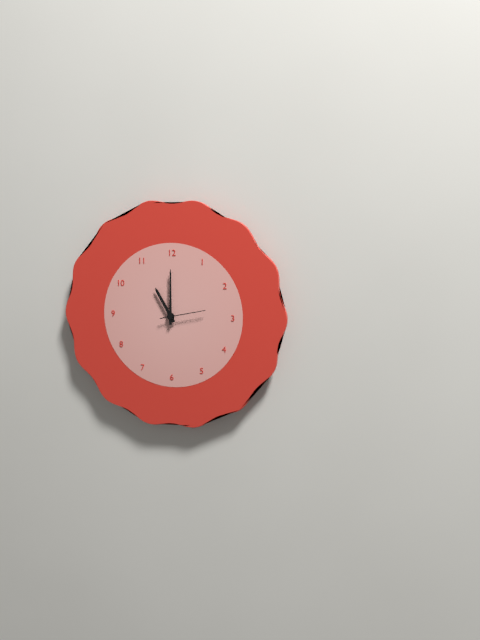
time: 11.00
